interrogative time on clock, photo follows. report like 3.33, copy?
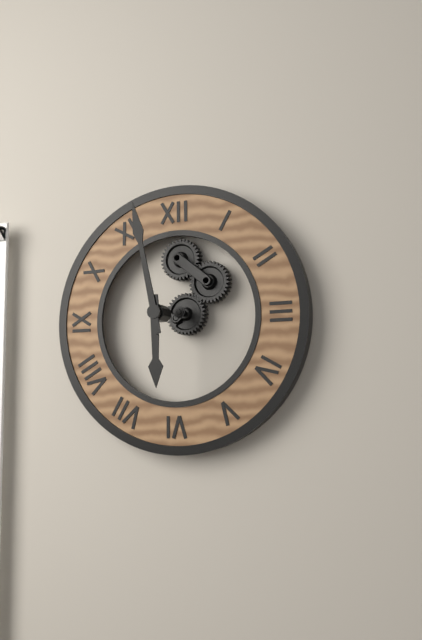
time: 5.58
